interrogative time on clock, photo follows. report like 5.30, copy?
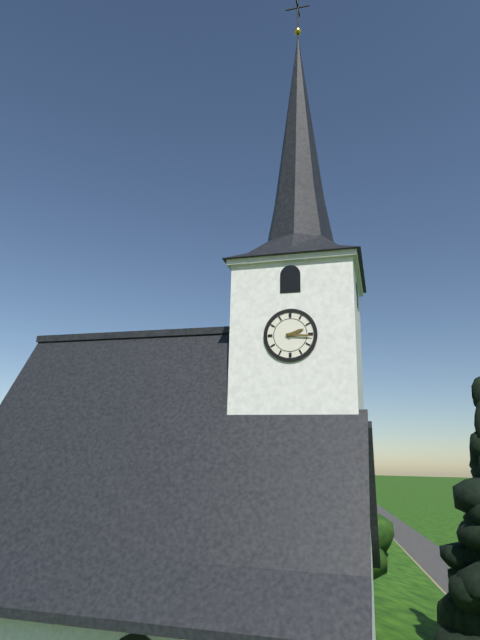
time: 2.16
